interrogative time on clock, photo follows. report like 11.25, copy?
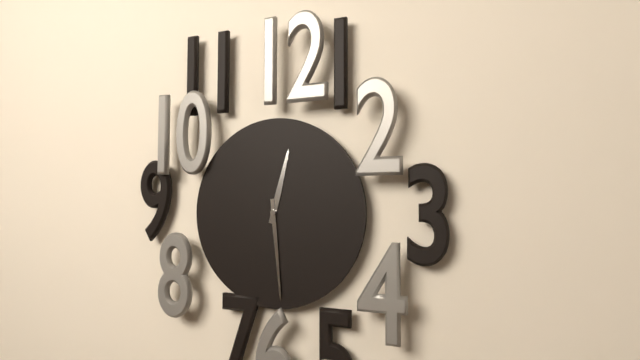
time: 12.29
